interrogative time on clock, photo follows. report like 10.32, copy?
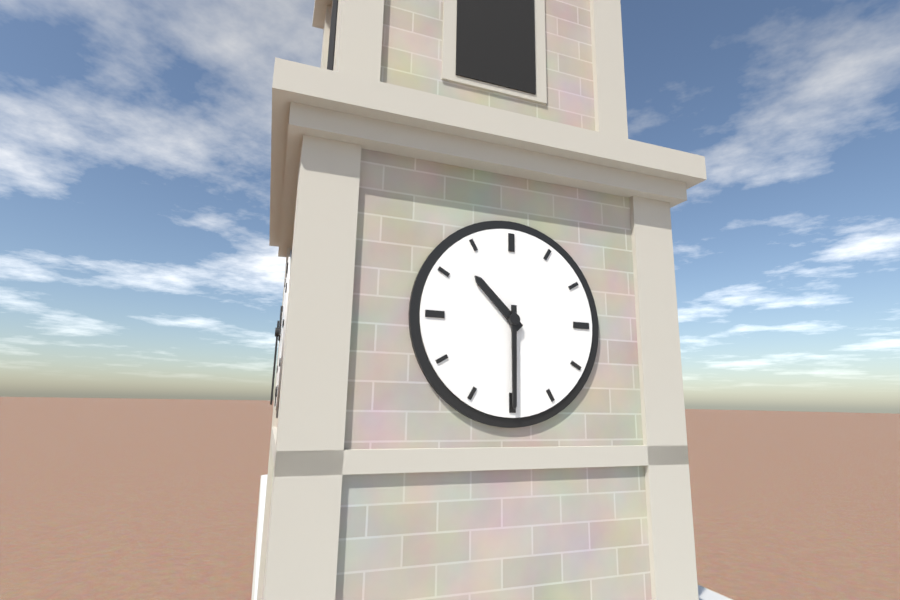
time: 10.30
